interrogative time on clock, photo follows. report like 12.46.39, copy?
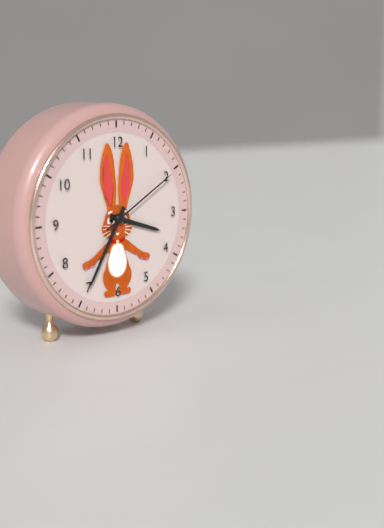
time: 3.35.10
